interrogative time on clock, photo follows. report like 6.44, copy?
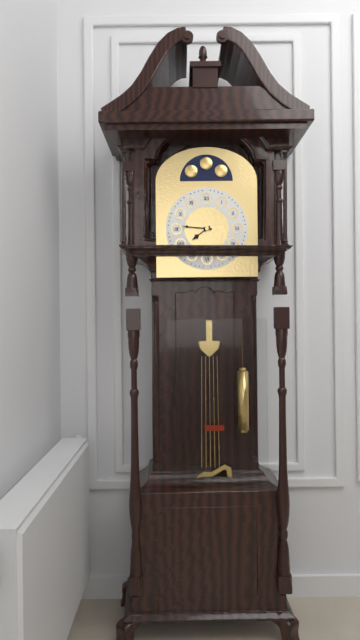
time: 7.46
